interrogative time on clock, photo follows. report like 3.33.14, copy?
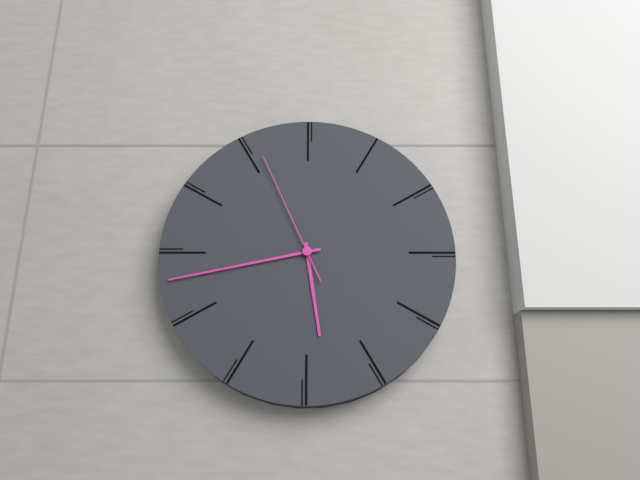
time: 5.43.56
